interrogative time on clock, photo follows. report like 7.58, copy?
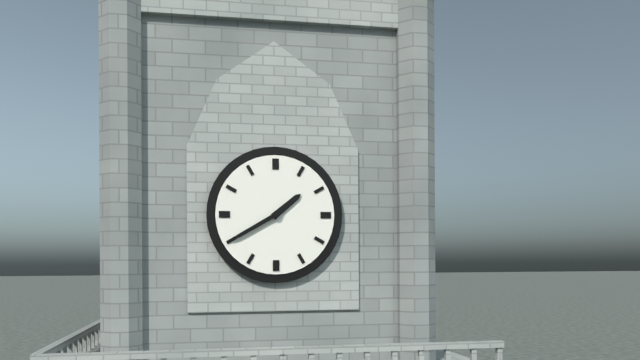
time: 1.40
